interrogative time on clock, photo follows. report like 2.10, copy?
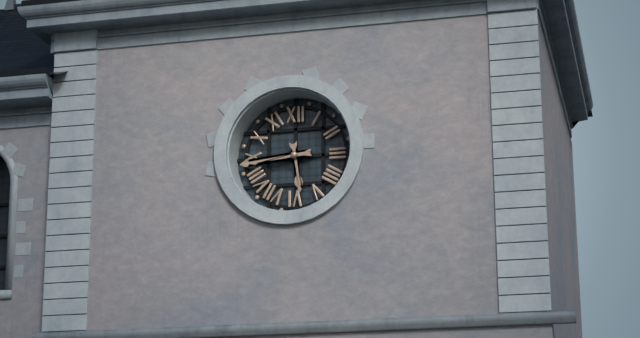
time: 5.44
